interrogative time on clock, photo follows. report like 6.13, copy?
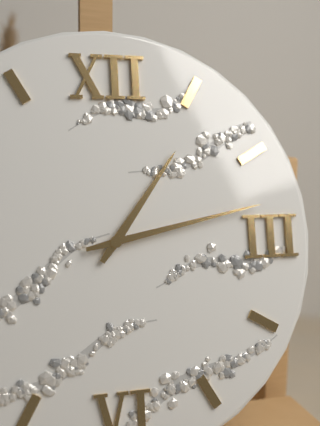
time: 1.13
